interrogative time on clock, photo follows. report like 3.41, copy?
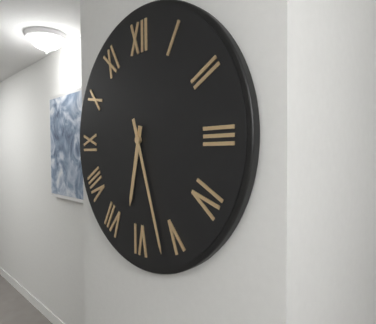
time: 6.27
